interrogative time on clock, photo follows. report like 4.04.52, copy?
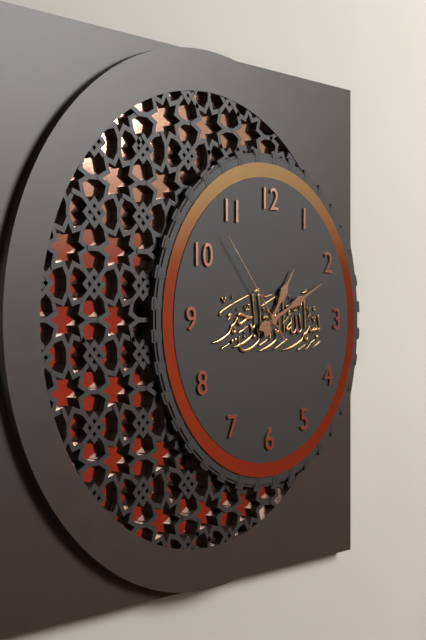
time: 1.11.53
